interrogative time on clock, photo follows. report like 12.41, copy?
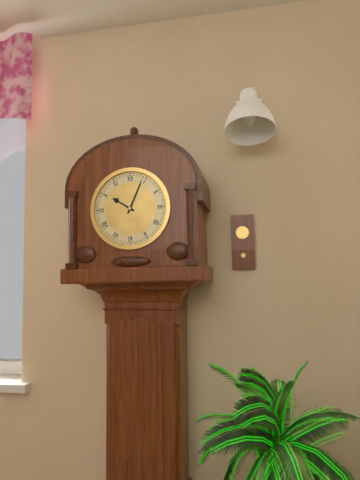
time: 10.04
